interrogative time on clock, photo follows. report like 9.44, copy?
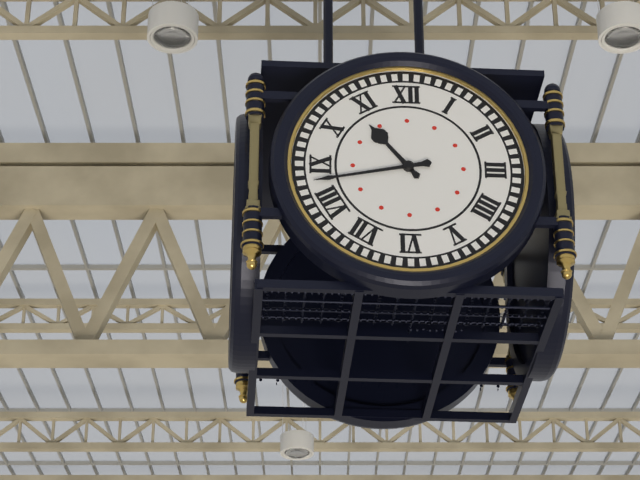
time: 10.43
